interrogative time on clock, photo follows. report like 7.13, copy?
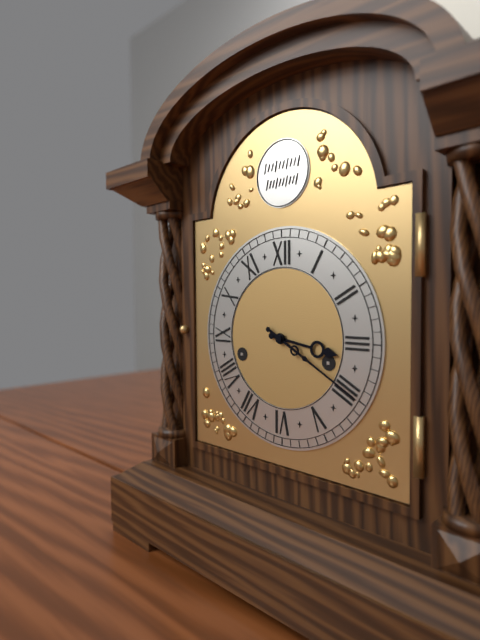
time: 3.20
